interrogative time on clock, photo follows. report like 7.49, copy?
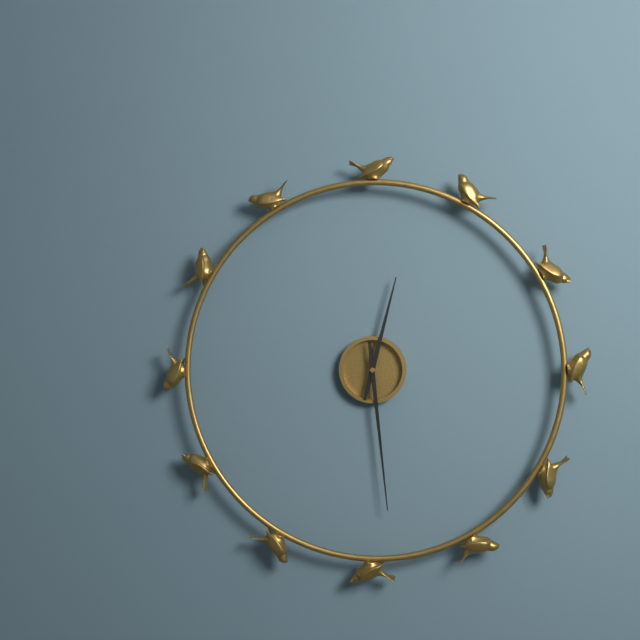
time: 12.29
